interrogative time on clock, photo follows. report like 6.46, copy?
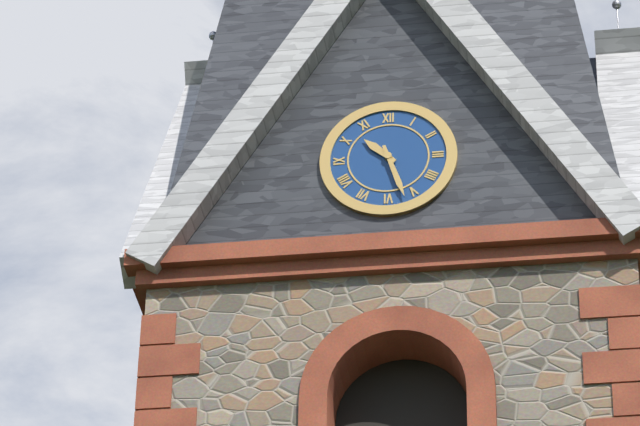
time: 10.27
